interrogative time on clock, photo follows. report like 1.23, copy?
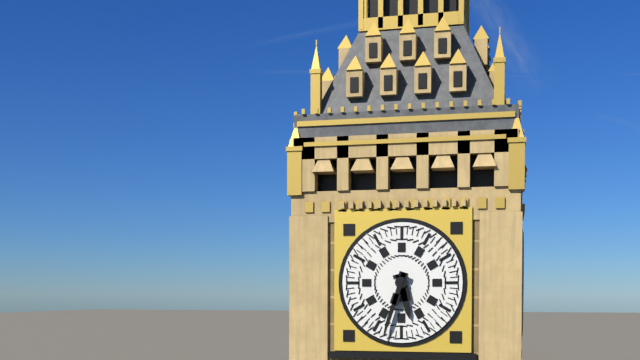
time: 5.33
